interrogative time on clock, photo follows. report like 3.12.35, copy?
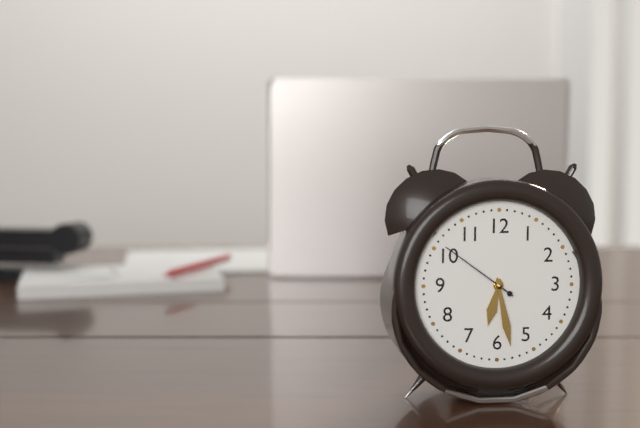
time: 6.28.51
